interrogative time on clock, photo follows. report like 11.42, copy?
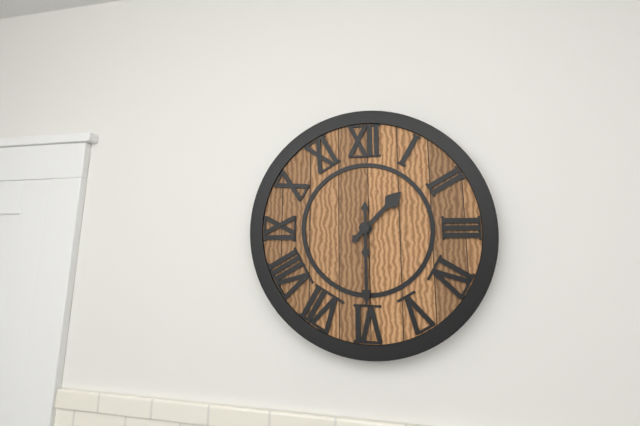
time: 1.30
